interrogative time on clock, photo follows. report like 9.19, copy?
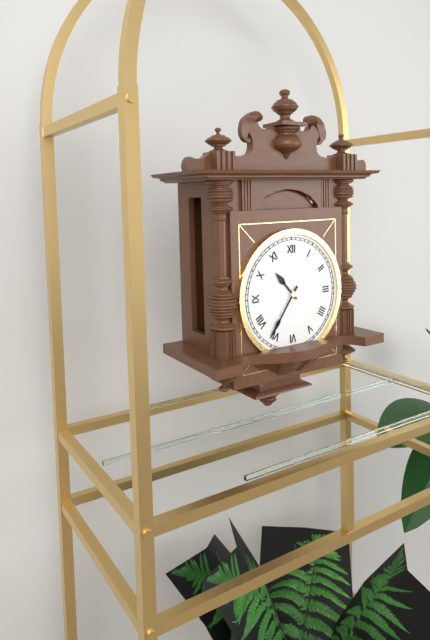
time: 10.36
